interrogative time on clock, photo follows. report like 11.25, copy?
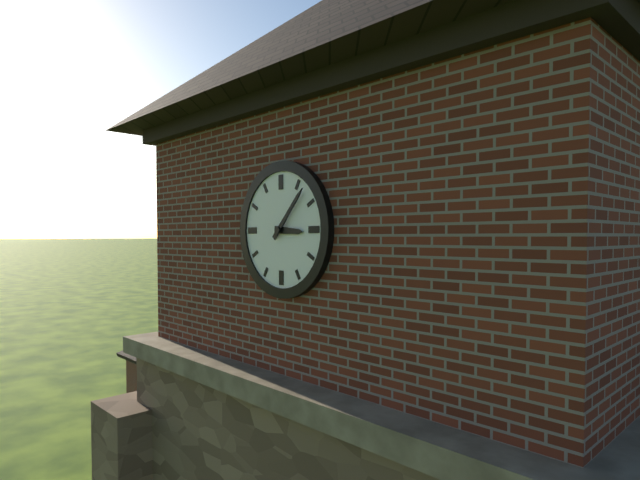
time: 3.07
